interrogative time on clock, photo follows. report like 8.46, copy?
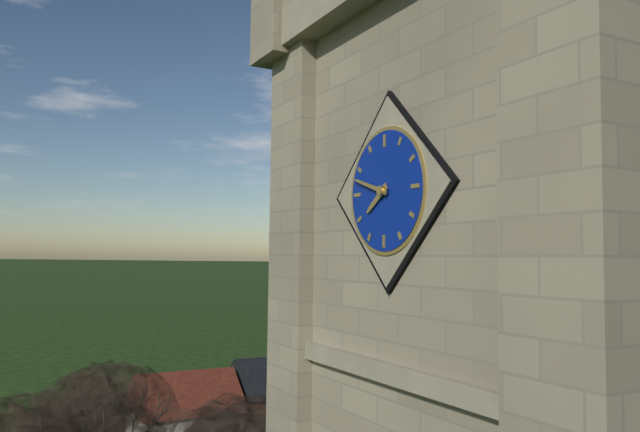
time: 7.48
